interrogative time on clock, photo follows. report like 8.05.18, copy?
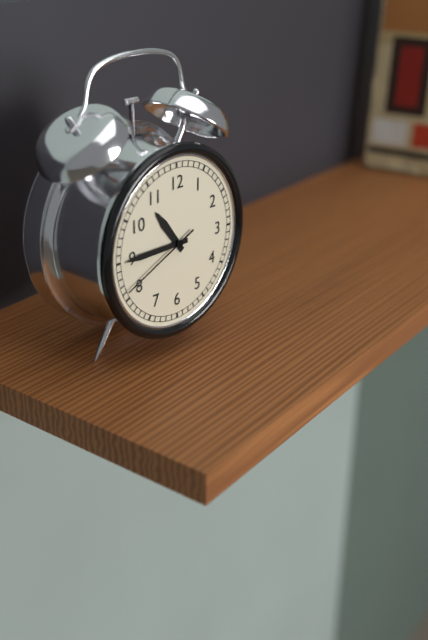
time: 10.45.41
